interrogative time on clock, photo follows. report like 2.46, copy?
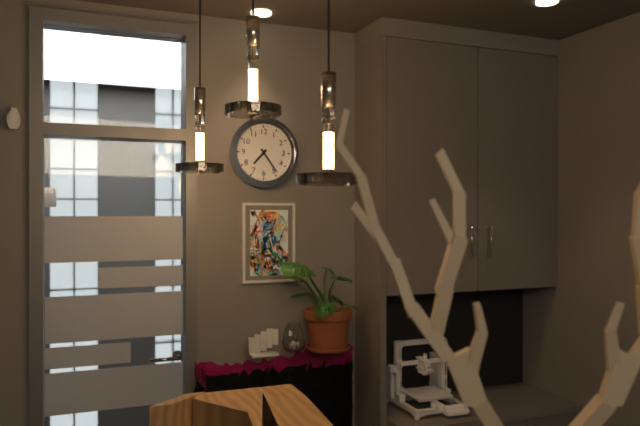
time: 7.24
